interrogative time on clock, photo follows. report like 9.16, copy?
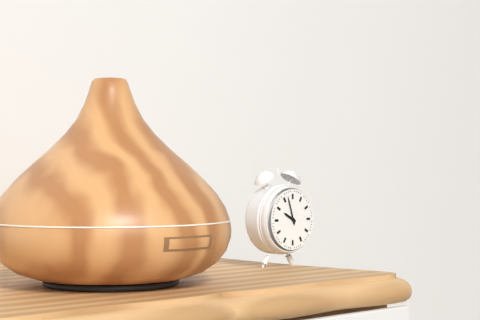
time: 9.57
